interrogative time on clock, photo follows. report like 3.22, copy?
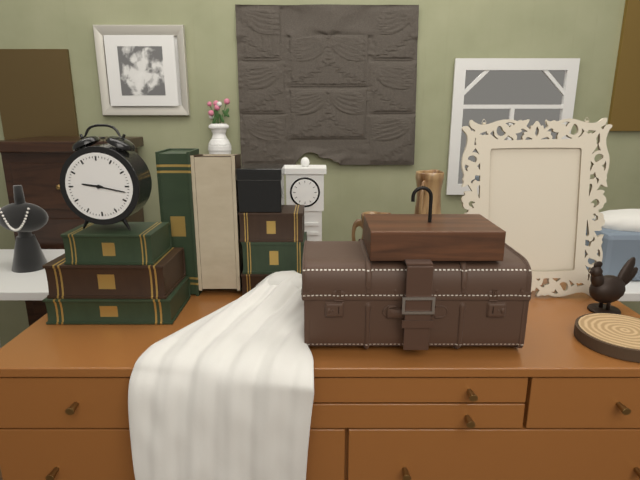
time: 9.17
